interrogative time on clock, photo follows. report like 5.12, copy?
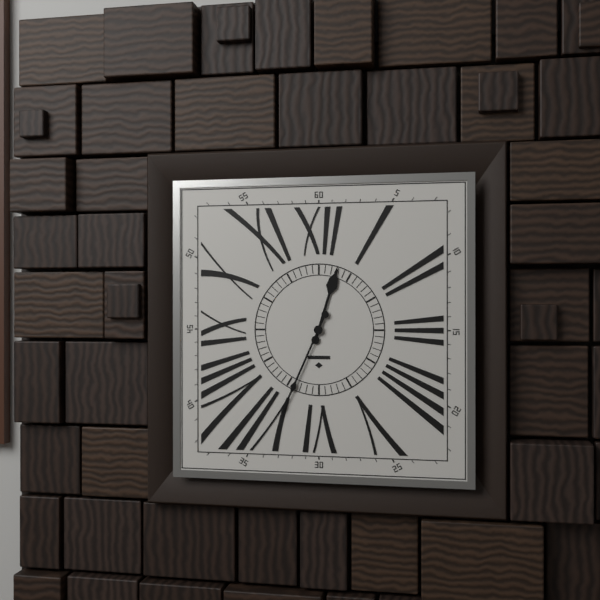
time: 12.34
